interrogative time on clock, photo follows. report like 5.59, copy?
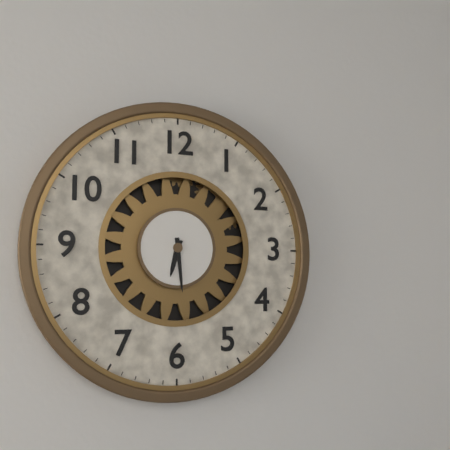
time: 6.29
